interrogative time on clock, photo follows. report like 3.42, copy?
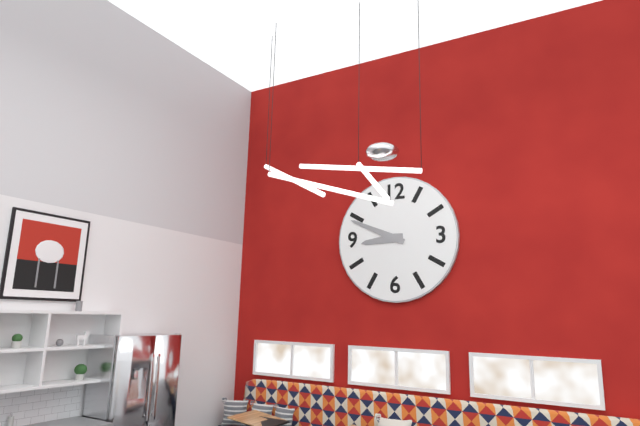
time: 8.49
